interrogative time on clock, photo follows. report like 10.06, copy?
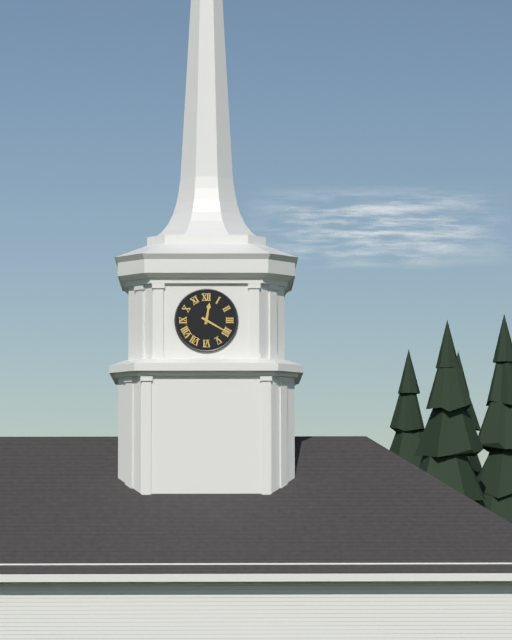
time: 12.20
